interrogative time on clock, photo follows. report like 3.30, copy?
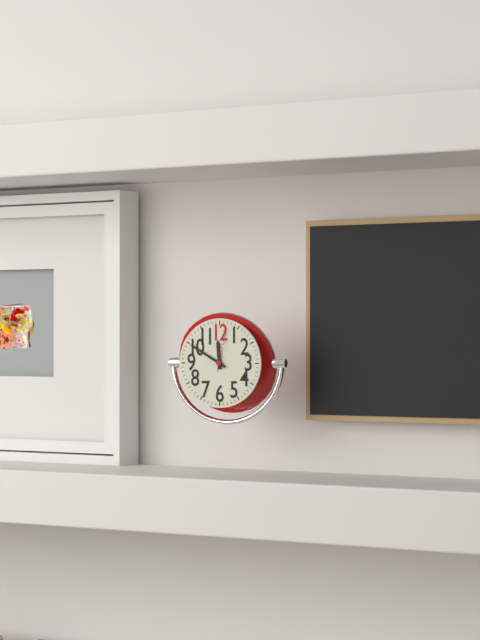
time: 11.50
